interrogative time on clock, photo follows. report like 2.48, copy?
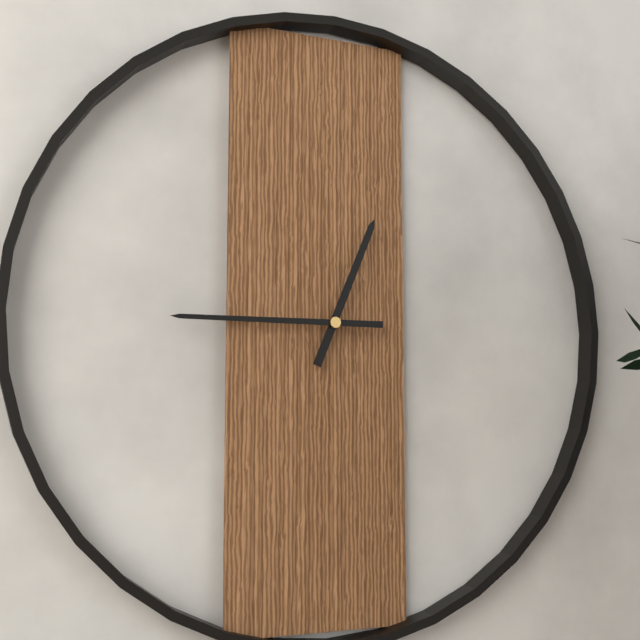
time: 12.45
